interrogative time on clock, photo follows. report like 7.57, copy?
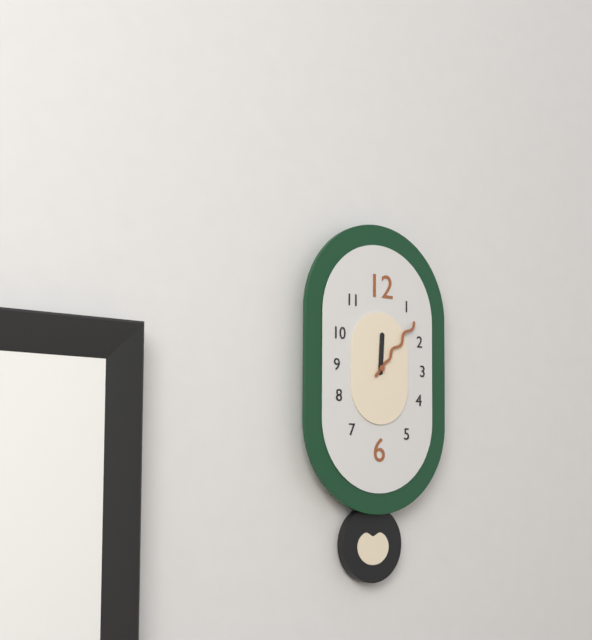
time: 12.07
